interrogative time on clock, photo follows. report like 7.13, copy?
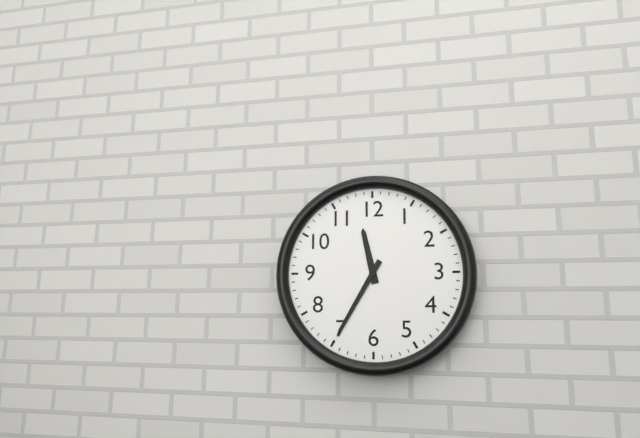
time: 11.35
